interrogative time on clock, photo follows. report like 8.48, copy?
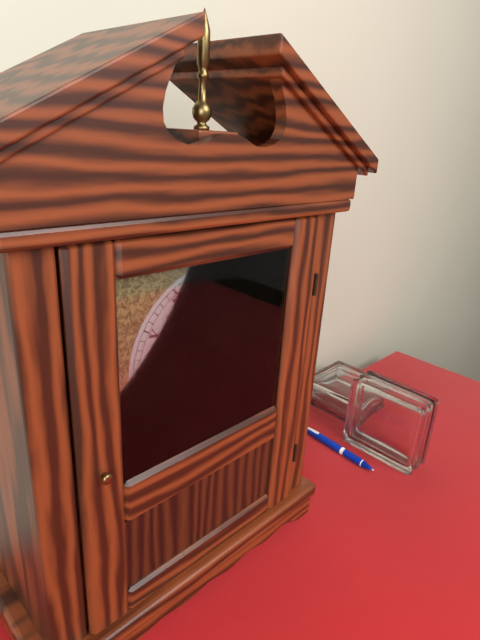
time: 4.55
